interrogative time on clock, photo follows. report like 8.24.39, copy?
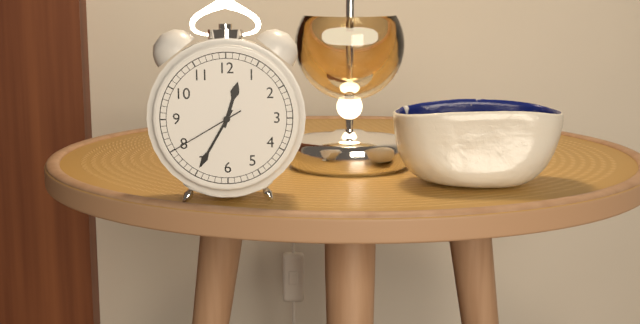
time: 12.35.40
